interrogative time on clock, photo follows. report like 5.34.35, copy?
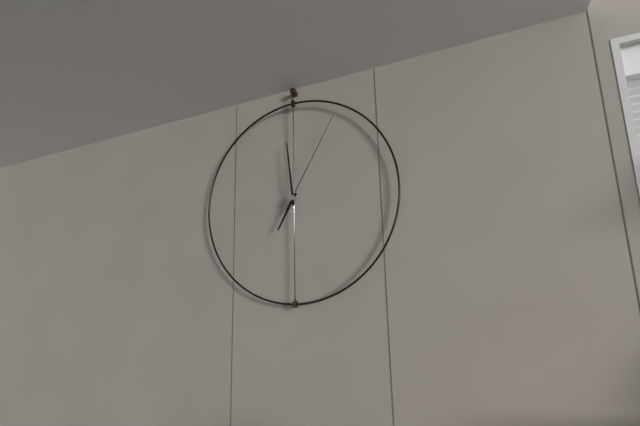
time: 6.59.05
